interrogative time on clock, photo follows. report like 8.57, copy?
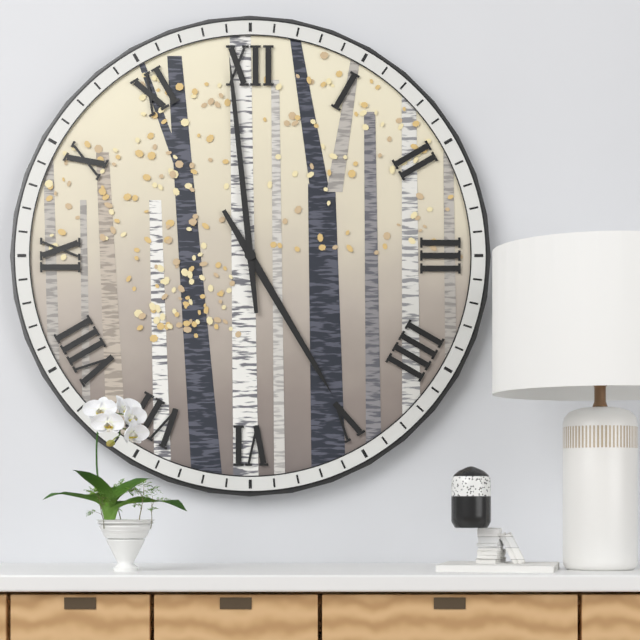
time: 4.59
